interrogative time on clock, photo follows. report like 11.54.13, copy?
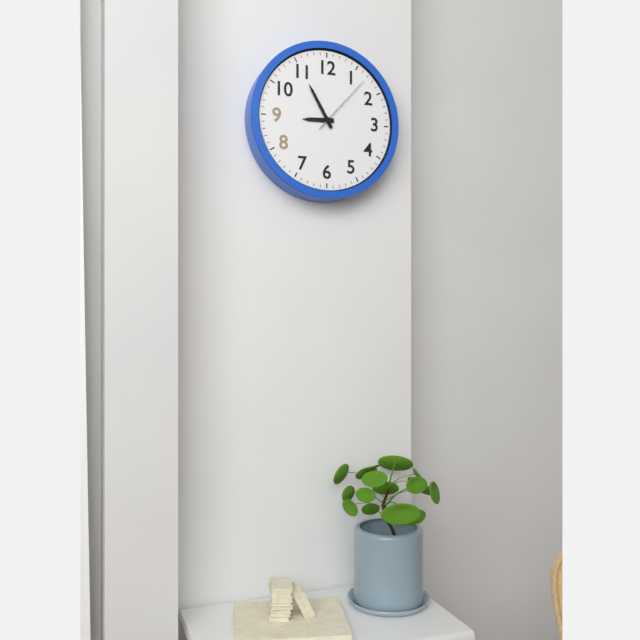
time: 8.55.07
